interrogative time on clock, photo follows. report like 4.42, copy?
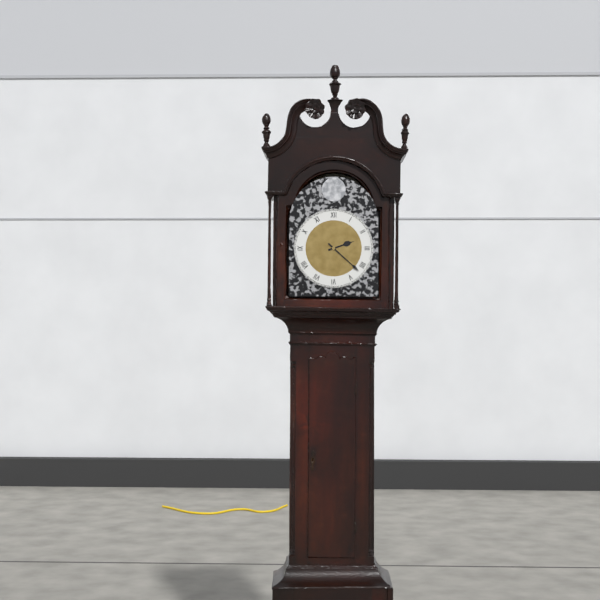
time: 2.22
